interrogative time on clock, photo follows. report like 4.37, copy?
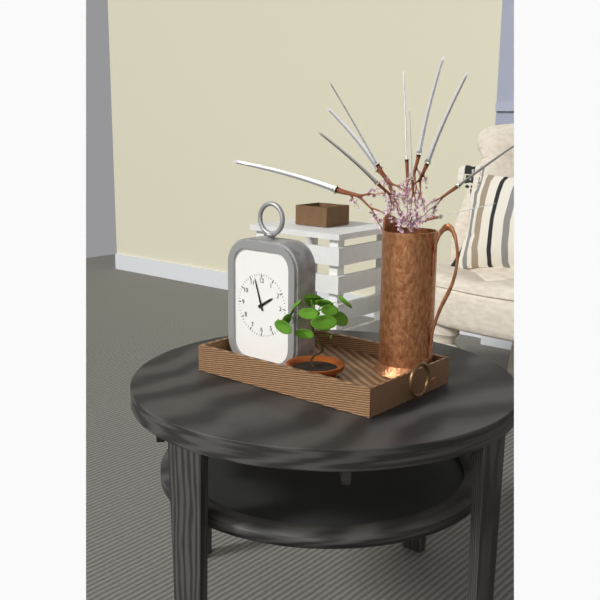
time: 1.57
